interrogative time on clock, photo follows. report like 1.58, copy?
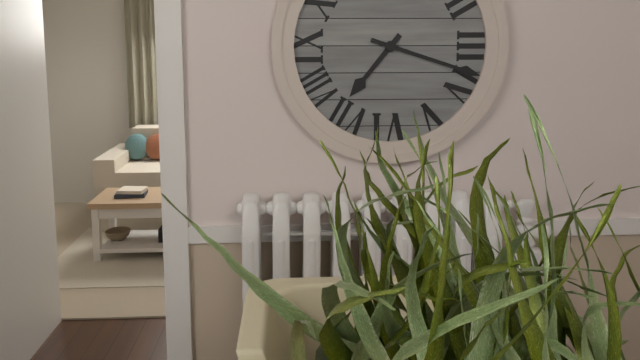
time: 7.18
